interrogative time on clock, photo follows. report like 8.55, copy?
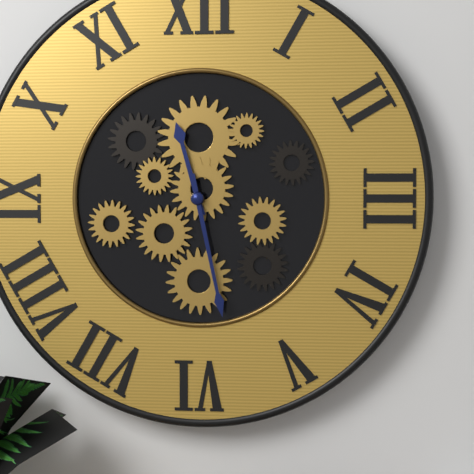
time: 11.28
